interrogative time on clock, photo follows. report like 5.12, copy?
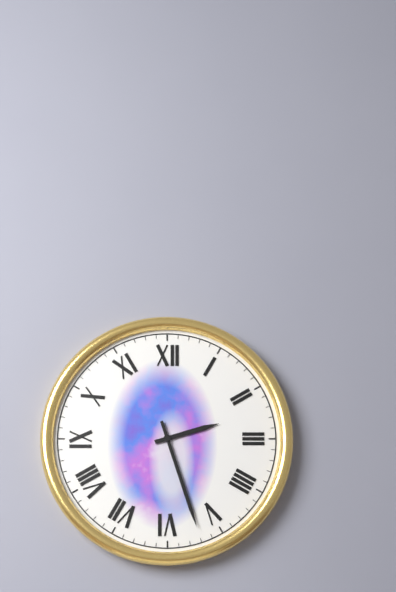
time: 2.27
